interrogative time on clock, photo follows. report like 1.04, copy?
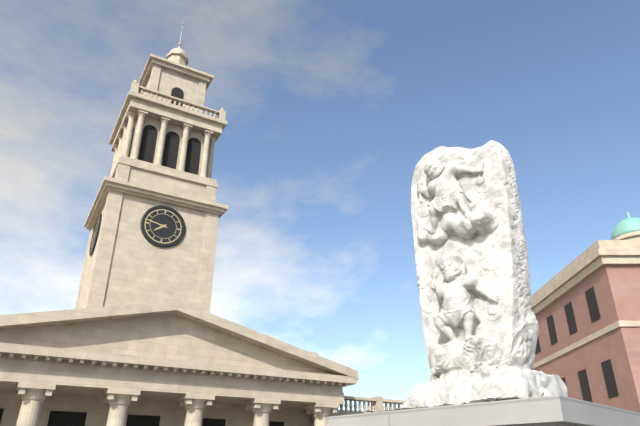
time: 7.47
